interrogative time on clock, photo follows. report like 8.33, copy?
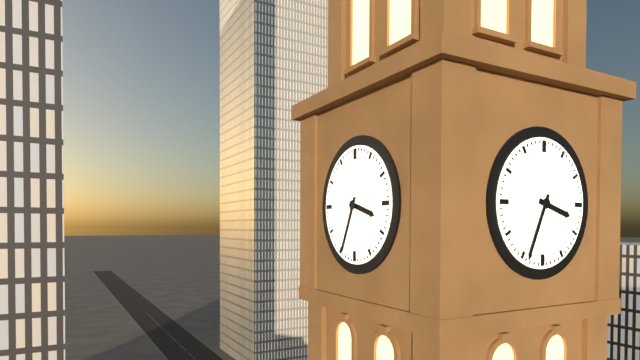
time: 3.34
